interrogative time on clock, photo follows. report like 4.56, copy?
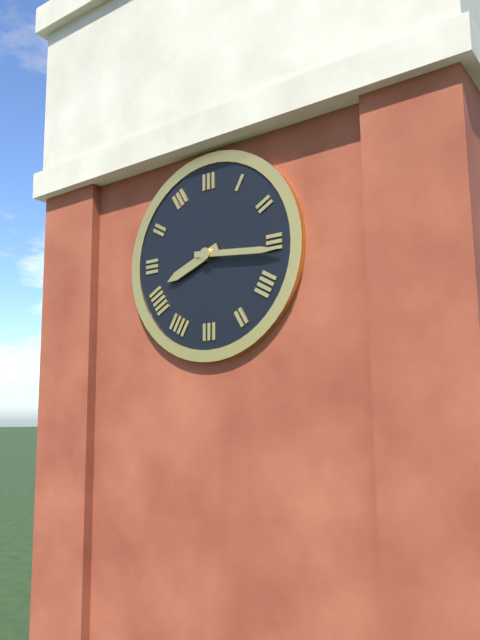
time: 8.16
